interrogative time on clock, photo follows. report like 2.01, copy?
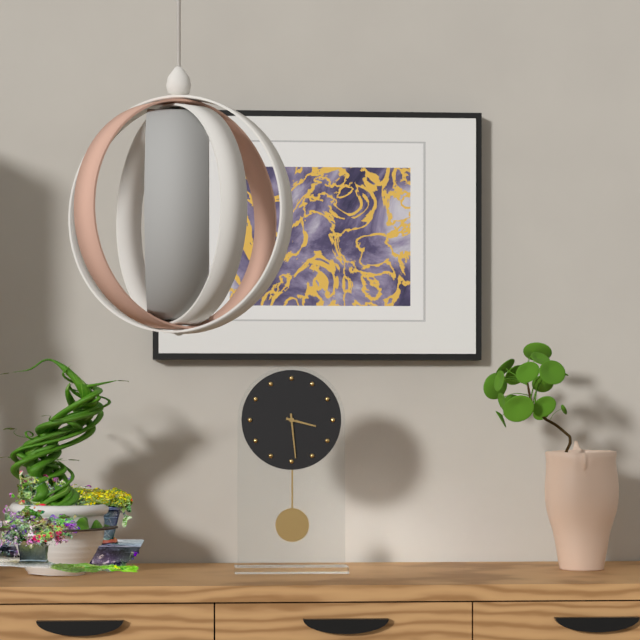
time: 3.29
